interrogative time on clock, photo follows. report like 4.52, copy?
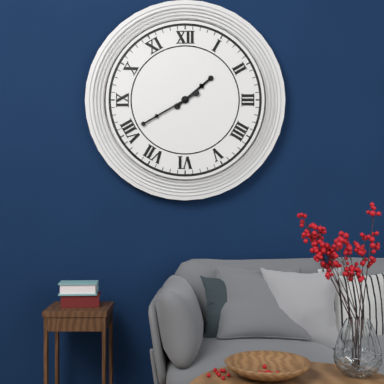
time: 1.40
